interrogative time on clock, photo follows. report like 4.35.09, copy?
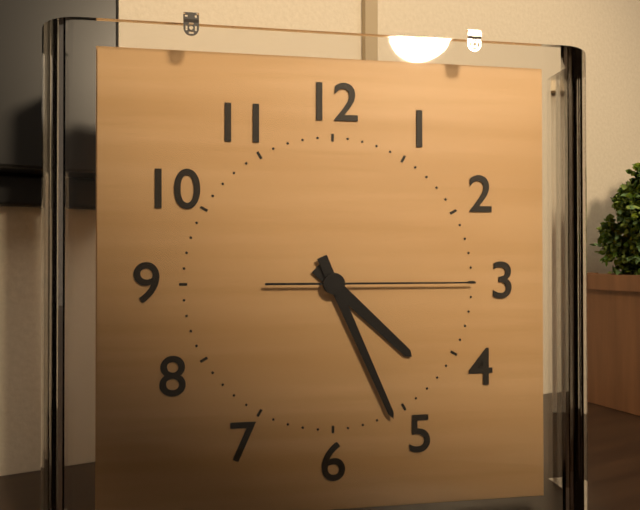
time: 4.26.15
